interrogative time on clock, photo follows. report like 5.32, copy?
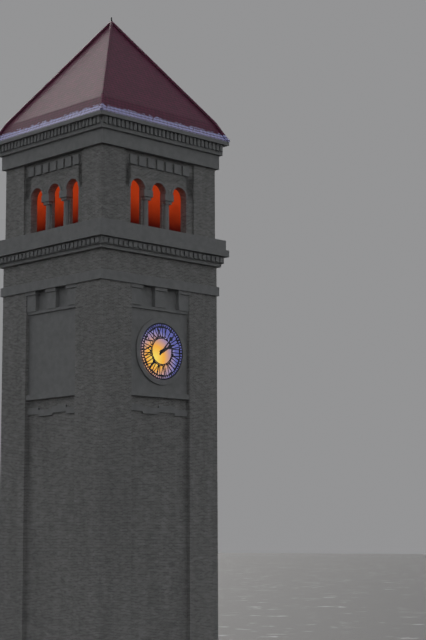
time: 2.07
